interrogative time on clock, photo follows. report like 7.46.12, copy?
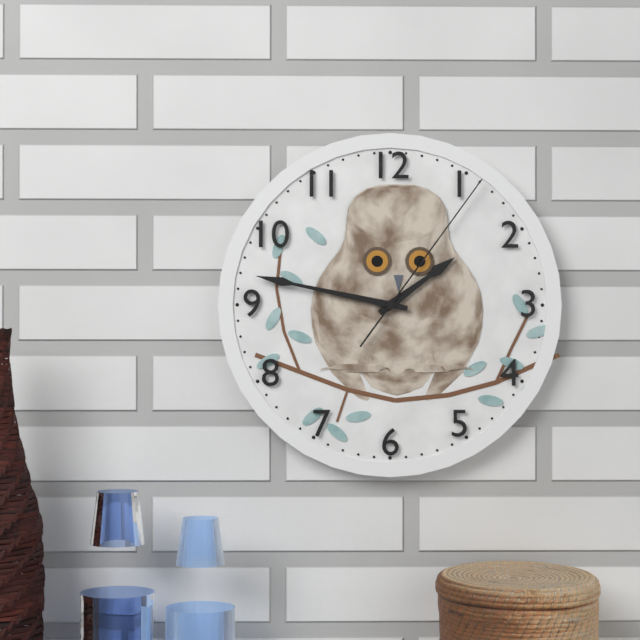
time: 1.47.06
